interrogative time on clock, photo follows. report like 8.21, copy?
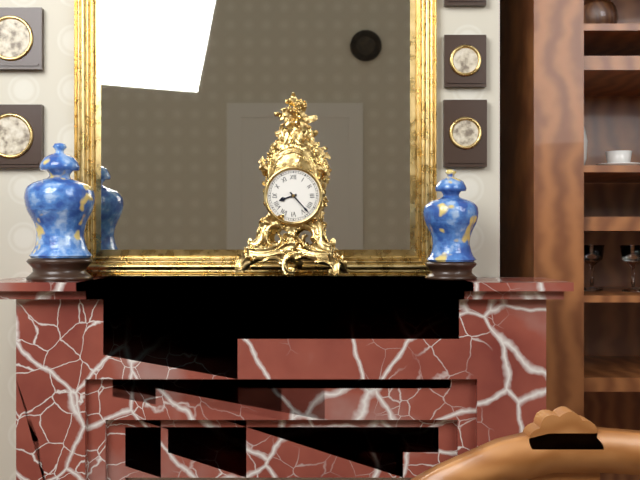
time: 8.23
